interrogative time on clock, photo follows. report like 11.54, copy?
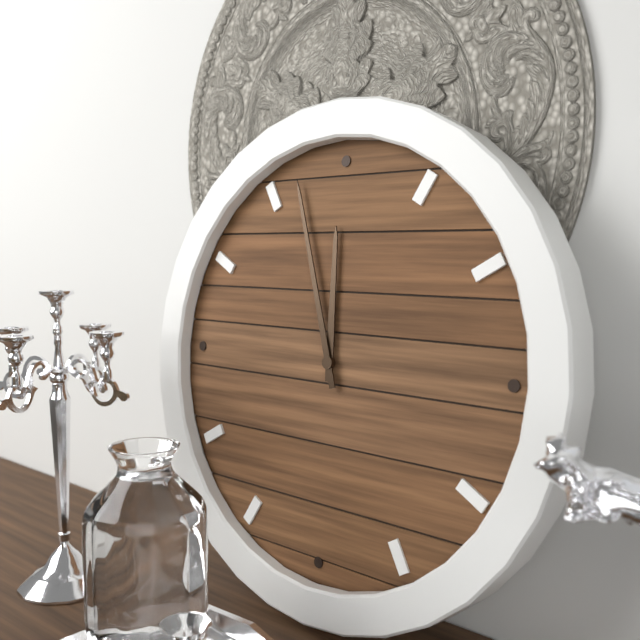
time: 11.57
